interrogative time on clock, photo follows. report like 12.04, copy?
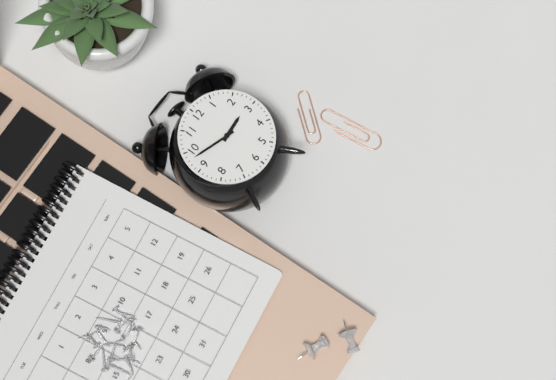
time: 2.48
